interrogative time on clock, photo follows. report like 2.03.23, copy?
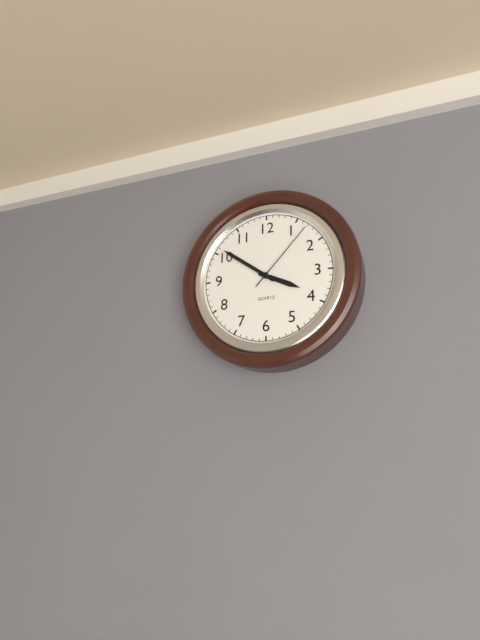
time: 3.51.07
